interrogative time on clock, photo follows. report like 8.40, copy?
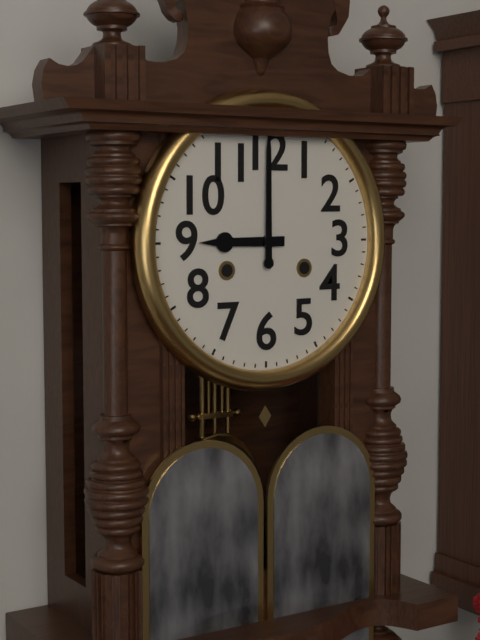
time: 9.00
